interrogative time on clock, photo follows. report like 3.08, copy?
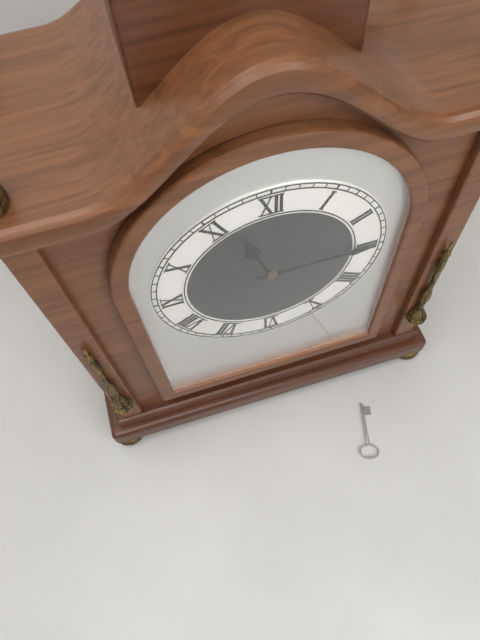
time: 11.15
